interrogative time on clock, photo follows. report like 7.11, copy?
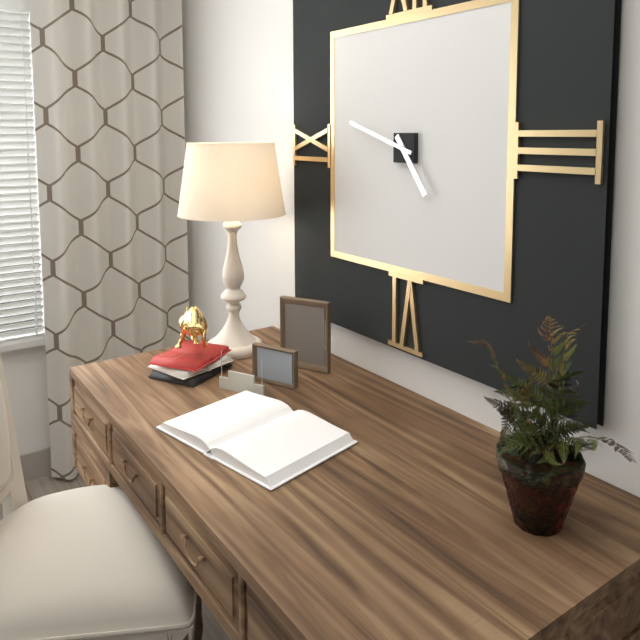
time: 4.48
